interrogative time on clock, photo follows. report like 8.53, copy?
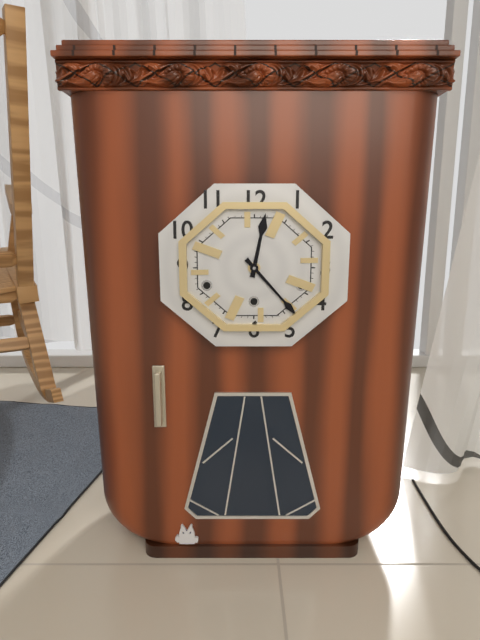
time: 12.23
